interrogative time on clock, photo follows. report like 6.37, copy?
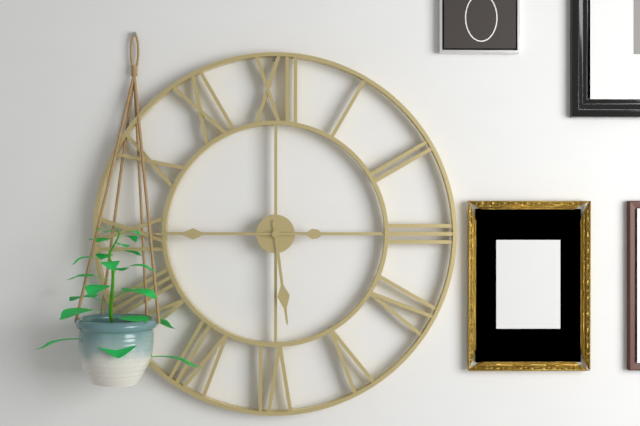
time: 5.45
